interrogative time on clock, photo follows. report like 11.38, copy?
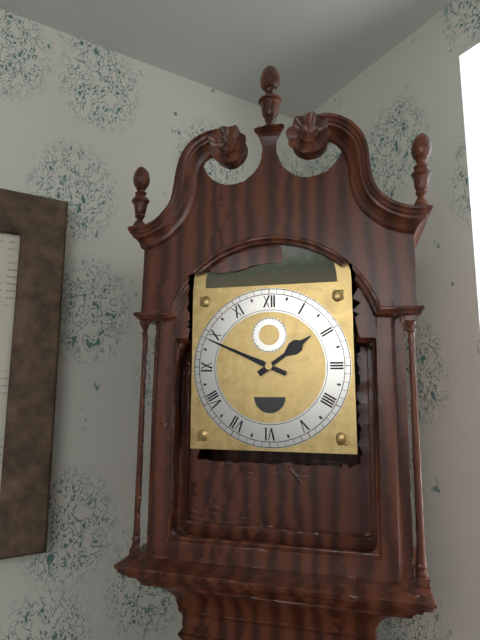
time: 1.49
